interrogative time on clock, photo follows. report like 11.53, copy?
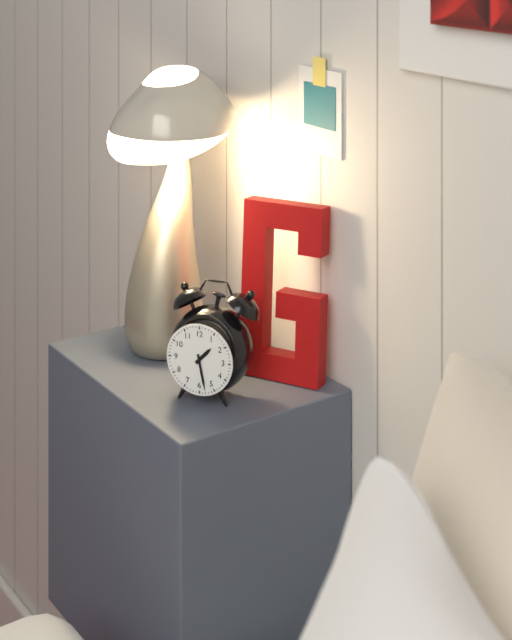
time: 1.28
